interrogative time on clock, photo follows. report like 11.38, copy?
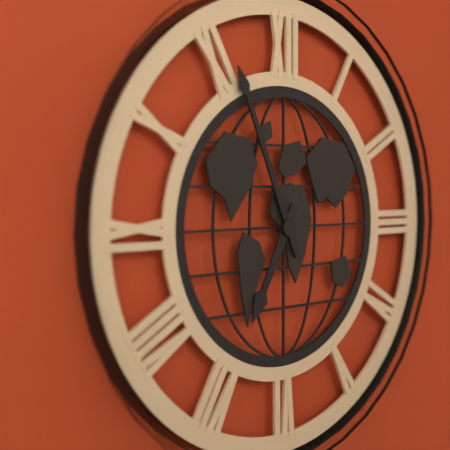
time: 6.56
